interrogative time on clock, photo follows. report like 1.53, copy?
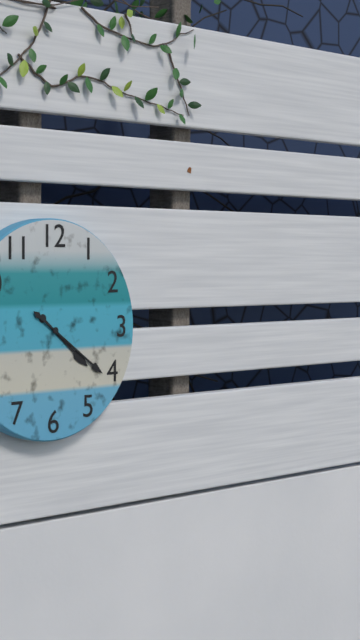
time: 4.21
